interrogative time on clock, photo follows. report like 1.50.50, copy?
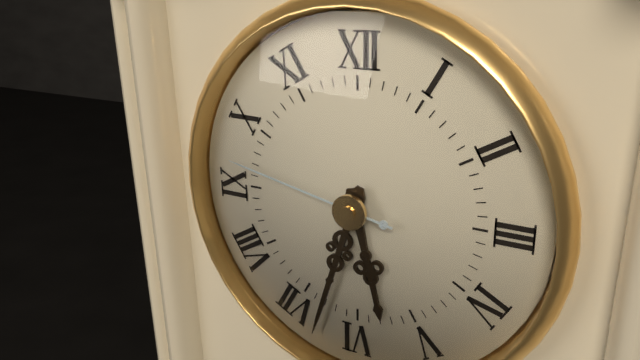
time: 5.33.47
